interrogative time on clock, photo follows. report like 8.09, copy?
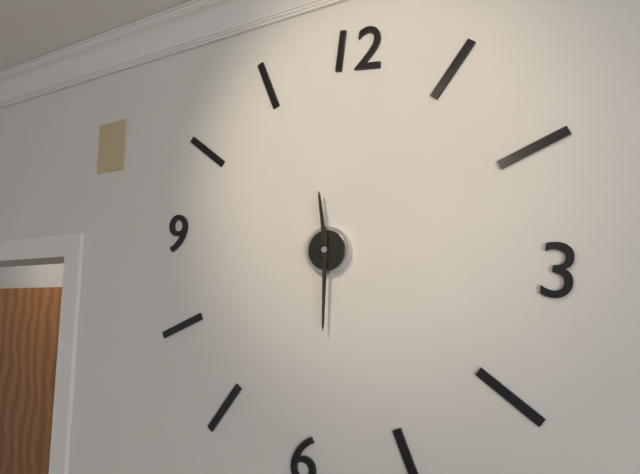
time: 11.29
